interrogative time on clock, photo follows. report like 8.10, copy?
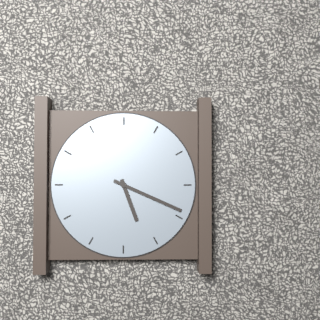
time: 5.19
